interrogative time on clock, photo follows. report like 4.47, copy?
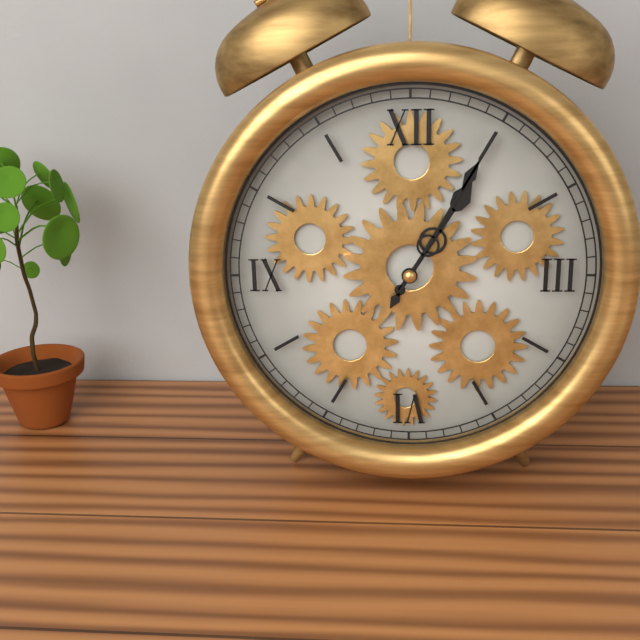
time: 1.05
